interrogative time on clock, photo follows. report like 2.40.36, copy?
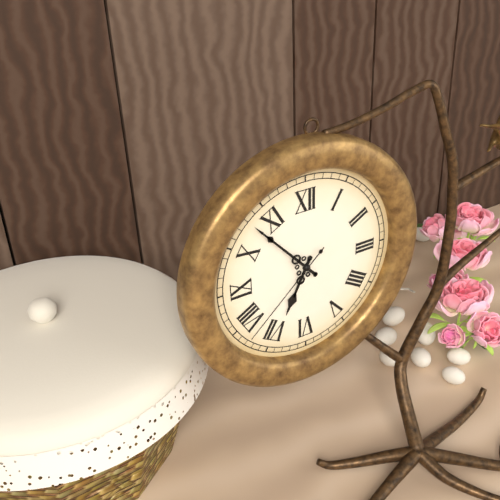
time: 6.53.38
